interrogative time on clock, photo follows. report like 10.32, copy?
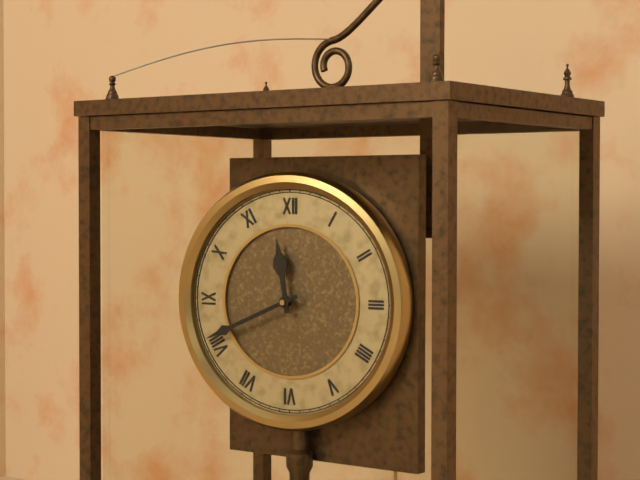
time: 11.41
